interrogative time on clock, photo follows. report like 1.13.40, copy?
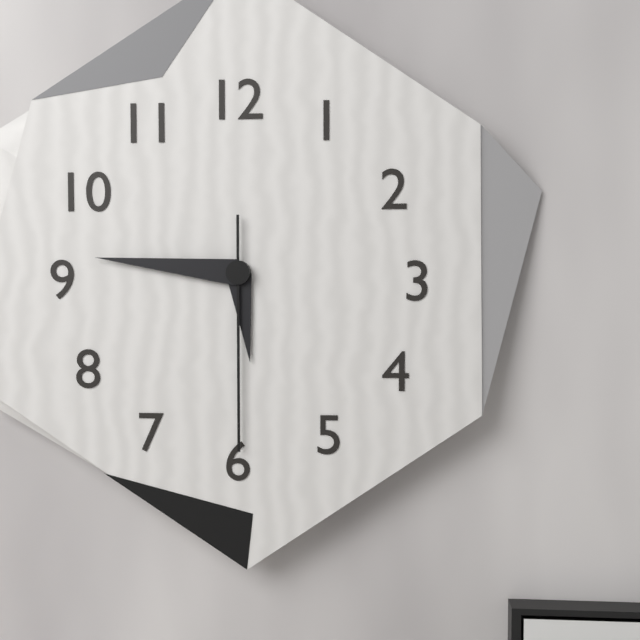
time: 5.46.30
